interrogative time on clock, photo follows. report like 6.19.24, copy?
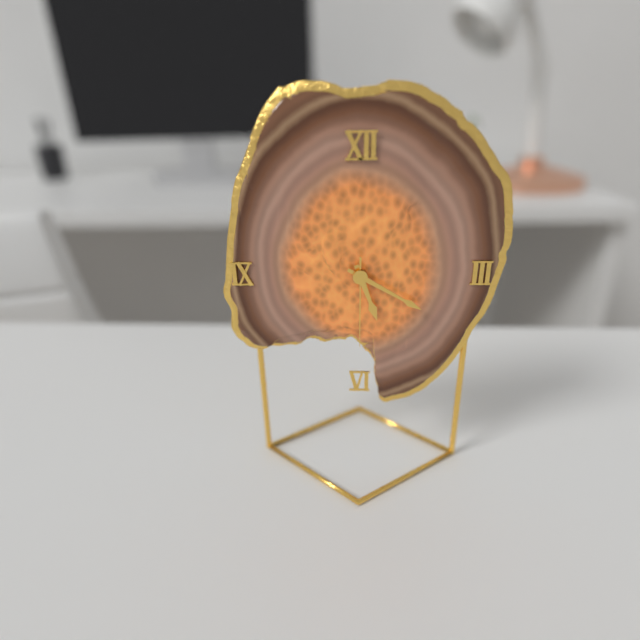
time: 5.20.30
